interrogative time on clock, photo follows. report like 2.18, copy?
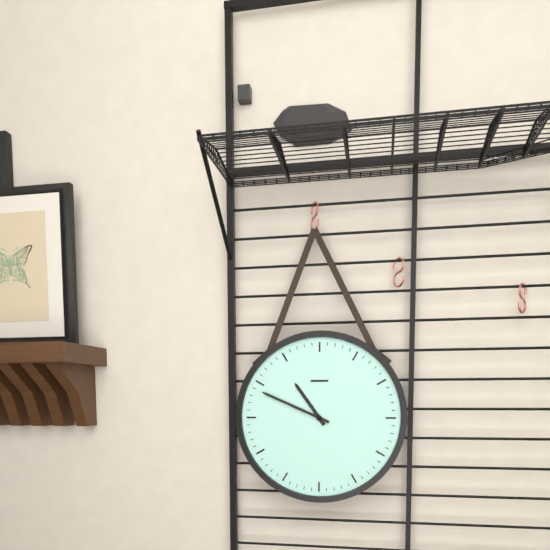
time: 10.49
